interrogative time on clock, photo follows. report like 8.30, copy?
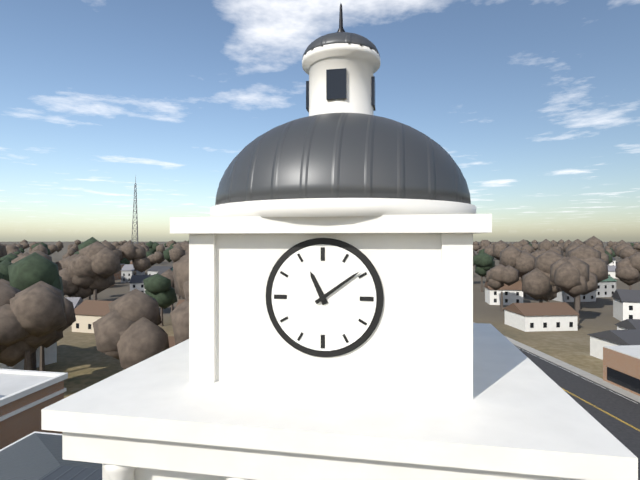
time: 11.09
